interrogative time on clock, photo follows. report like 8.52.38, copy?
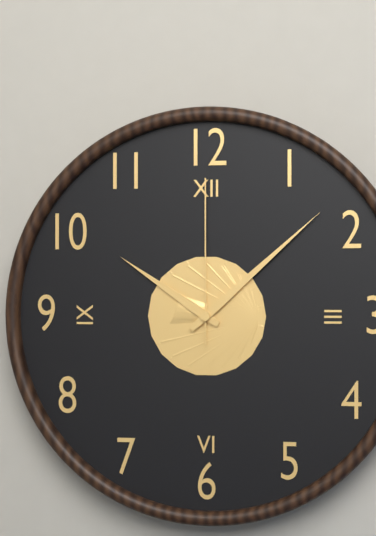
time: 10.08.00
